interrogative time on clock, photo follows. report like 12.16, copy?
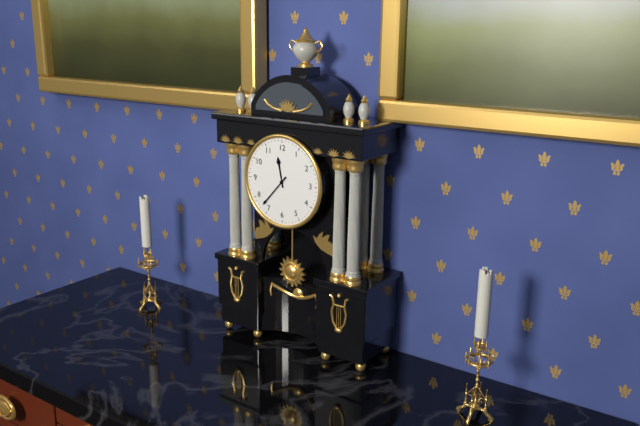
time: 11.37
